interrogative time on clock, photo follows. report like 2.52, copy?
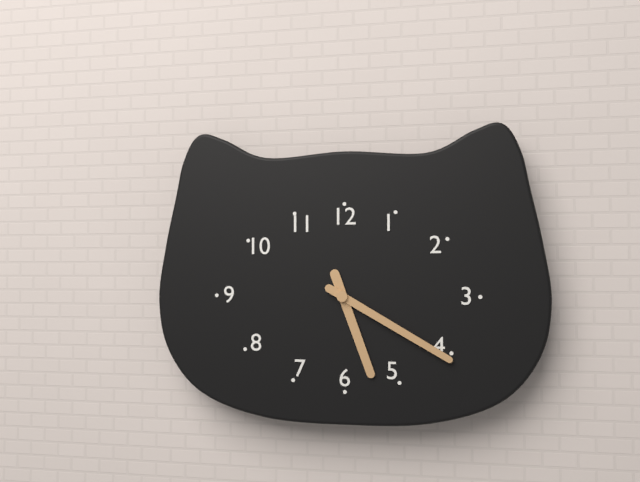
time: 5.20
